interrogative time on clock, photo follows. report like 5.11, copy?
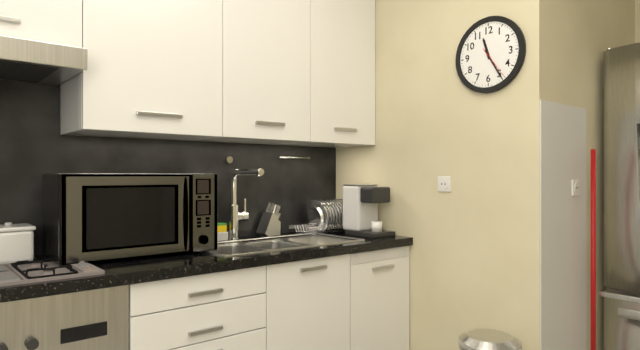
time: 11.25
